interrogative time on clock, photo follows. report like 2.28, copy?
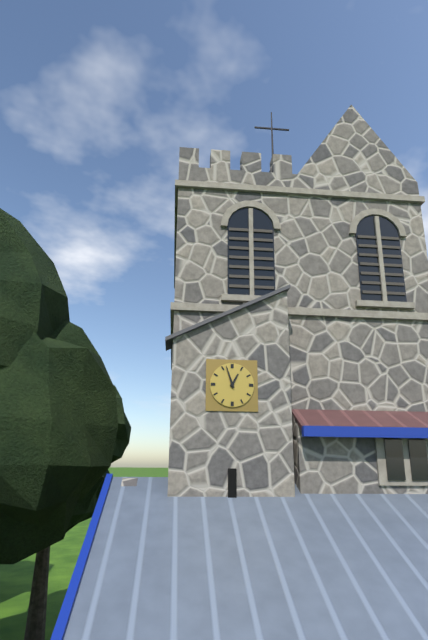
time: 12.57
